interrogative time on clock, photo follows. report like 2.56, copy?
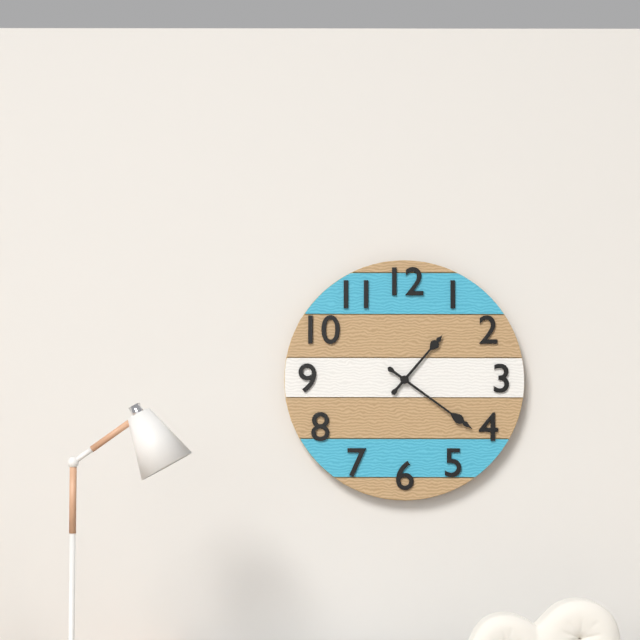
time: 1.21
